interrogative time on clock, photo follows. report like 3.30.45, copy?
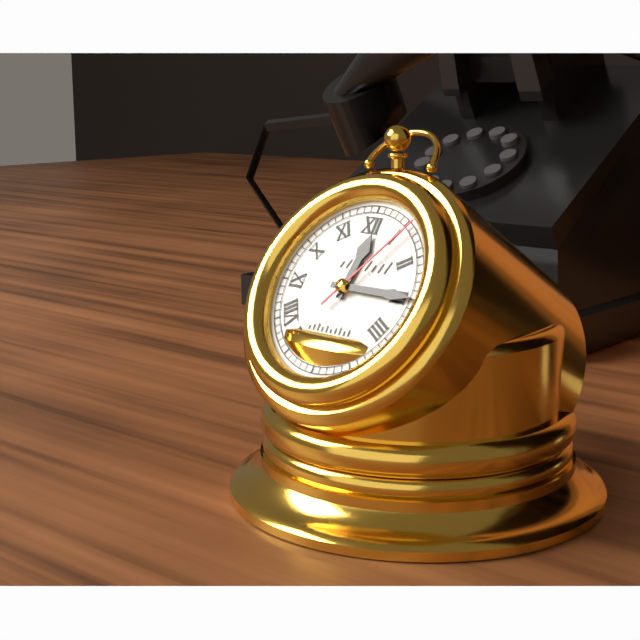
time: 12.15.06
